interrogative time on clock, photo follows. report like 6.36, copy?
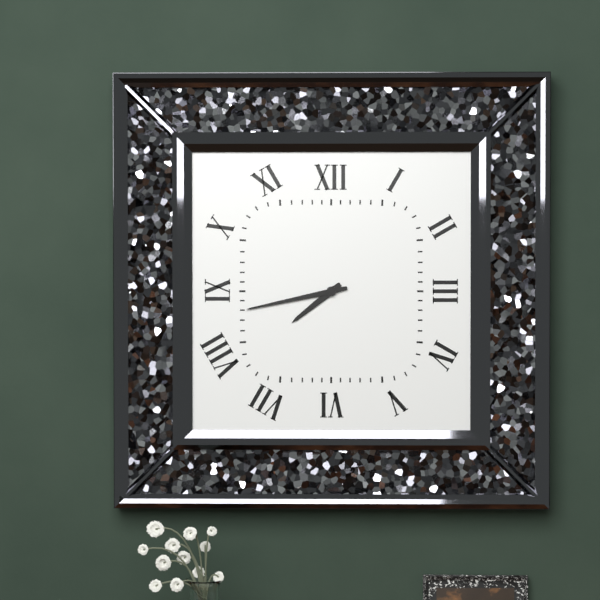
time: 7.43
